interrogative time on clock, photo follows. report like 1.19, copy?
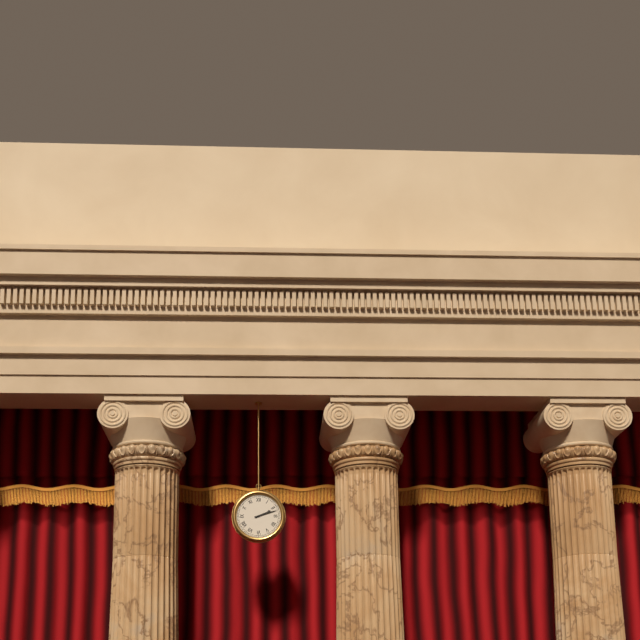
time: 2.12
